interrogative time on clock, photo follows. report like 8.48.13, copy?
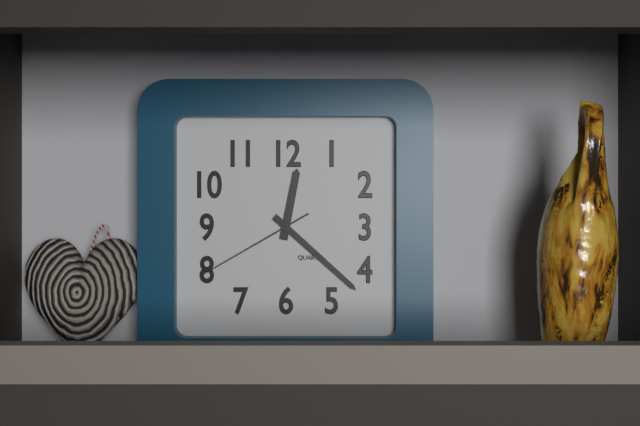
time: 12.22.40
